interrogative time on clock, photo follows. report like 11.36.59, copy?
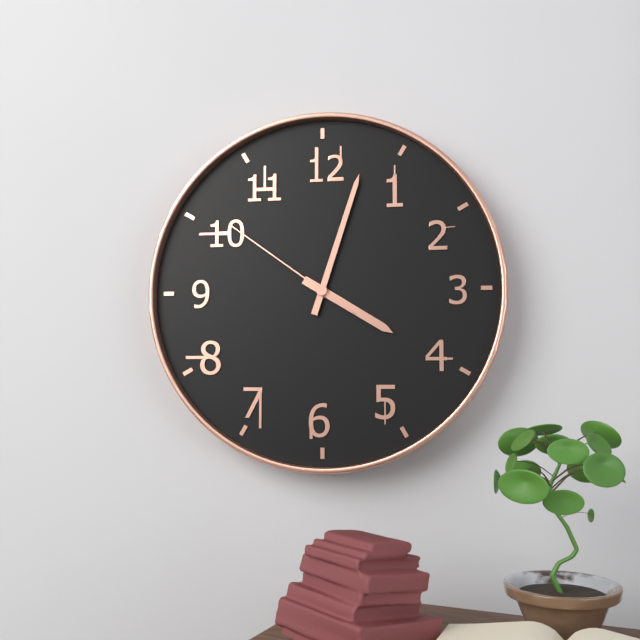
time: 4.03.51
